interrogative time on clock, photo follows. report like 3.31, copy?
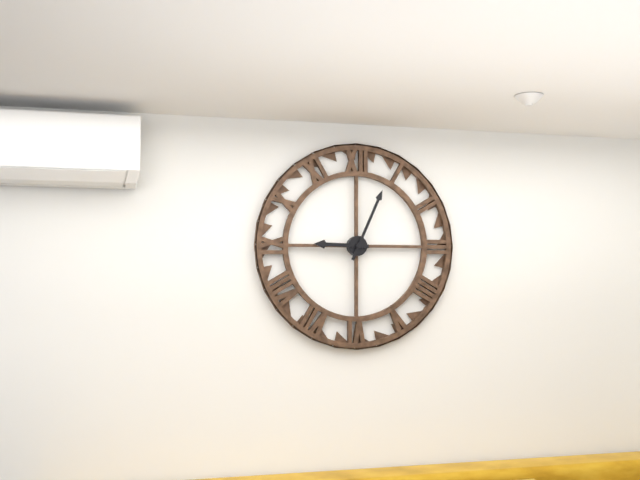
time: 9.04
